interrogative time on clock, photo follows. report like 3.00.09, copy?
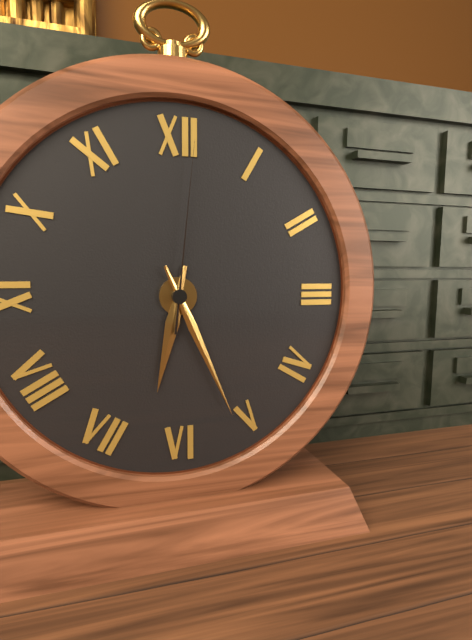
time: 6.26.01
